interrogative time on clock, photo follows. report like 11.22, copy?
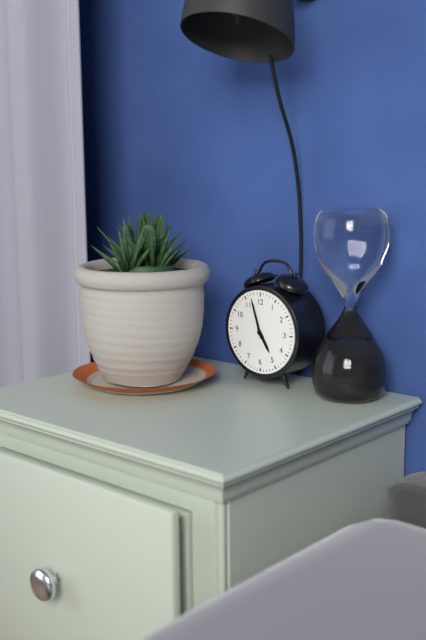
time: 4.57
